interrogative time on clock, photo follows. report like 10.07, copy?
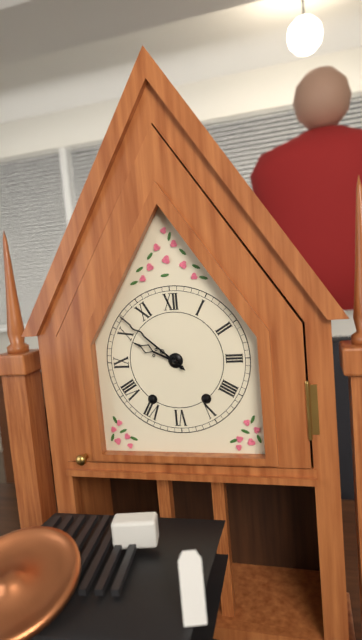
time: 9.52
